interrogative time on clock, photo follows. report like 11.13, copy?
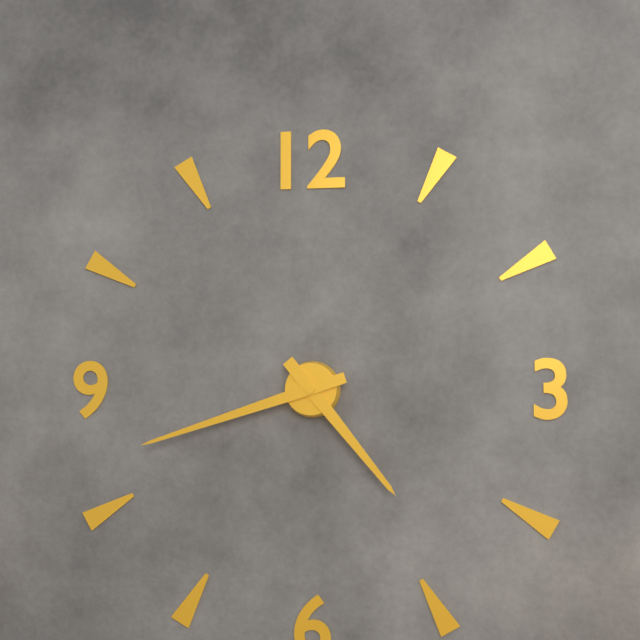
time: 4.42
